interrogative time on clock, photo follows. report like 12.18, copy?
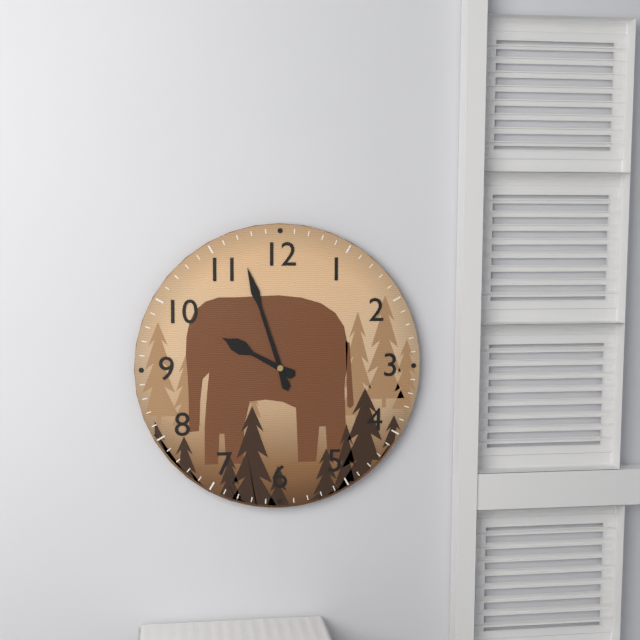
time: 9.57
